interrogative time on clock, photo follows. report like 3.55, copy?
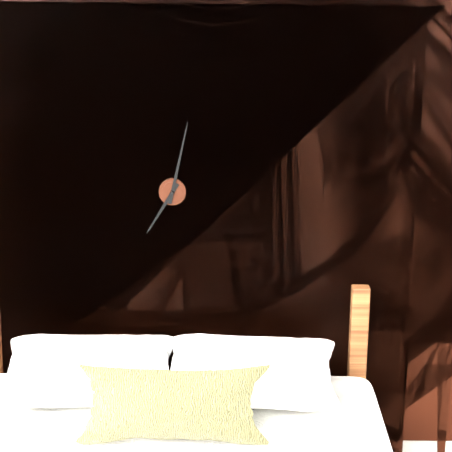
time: 7.02
